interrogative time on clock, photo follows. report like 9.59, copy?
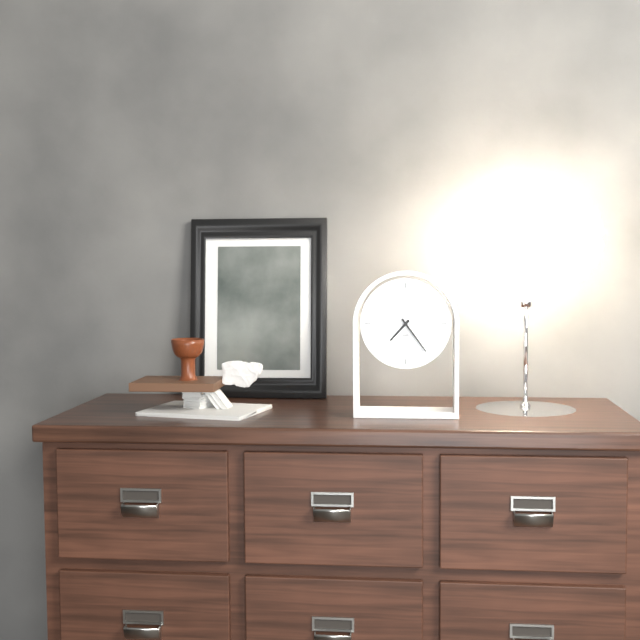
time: 7.24
